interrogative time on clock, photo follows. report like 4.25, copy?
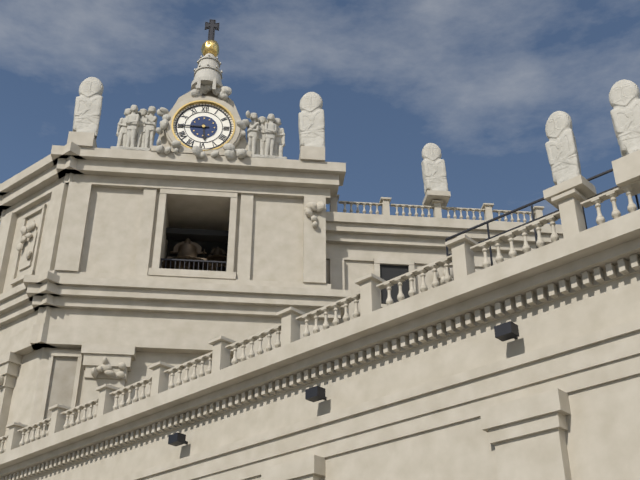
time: 5.45
